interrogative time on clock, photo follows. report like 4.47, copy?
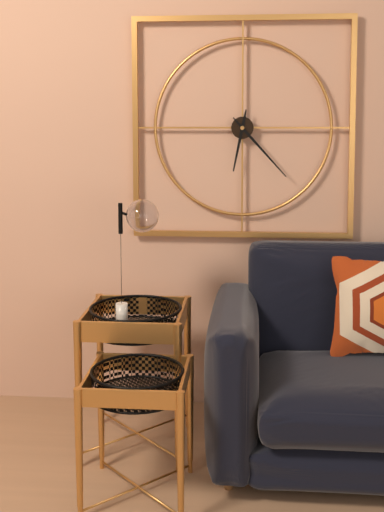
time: 6.23
